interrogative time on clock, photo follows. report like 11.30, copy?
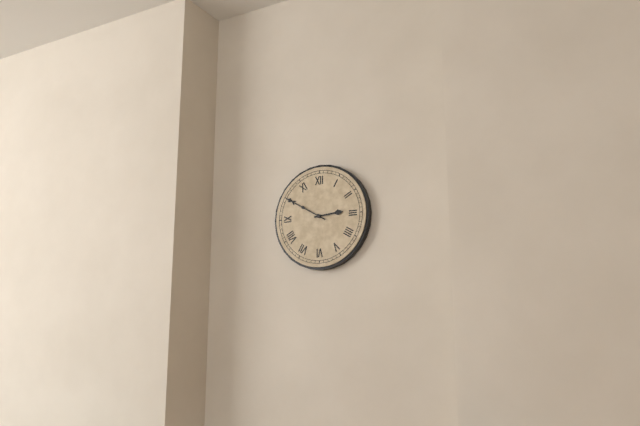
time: 2.50
